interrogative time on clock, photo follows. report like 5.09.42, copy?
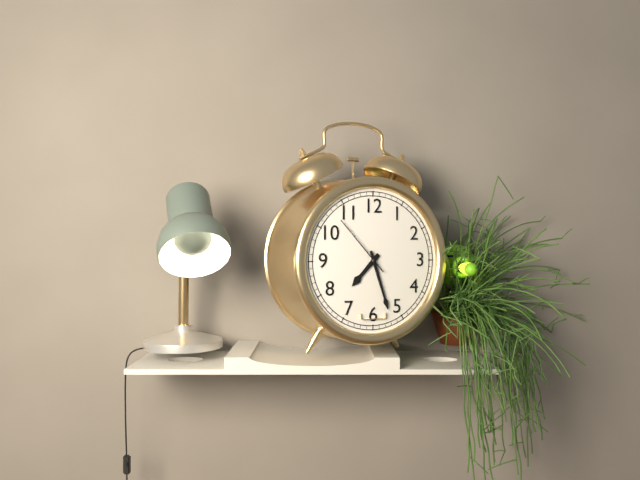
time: 7.27.53
